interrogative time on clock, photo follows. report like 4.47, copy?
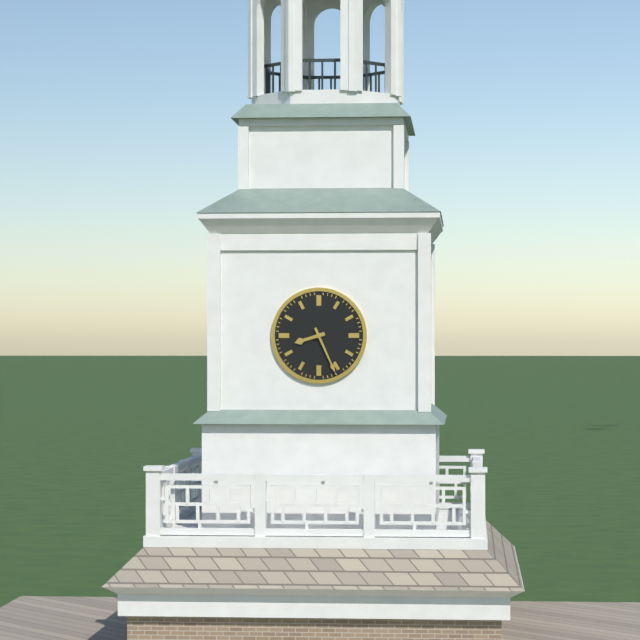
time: 8.26
